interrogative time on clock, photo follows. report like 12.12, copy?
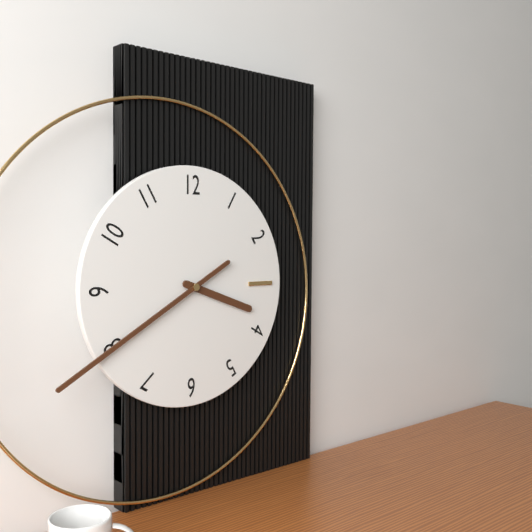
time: 3.40
